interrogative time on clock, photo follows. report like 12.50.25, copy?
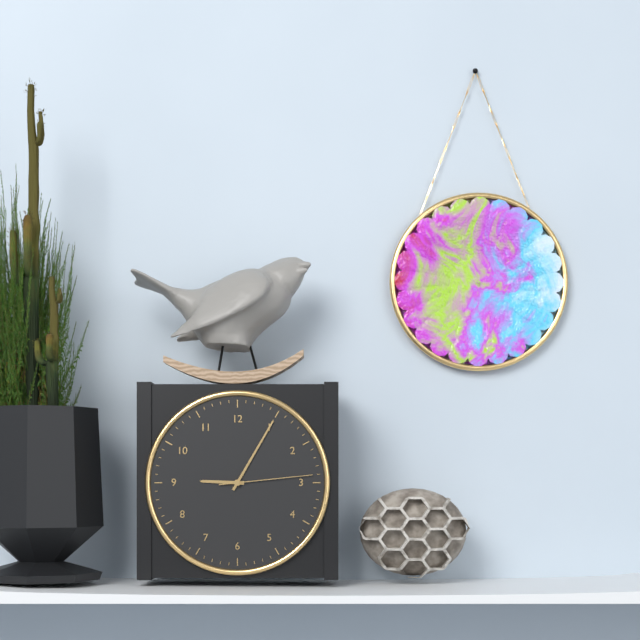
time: 9.05.14
